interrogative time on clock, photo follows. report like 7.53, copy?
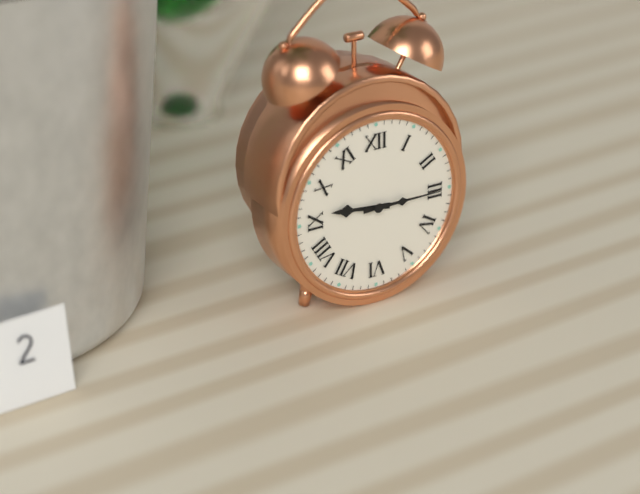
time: 9.15
